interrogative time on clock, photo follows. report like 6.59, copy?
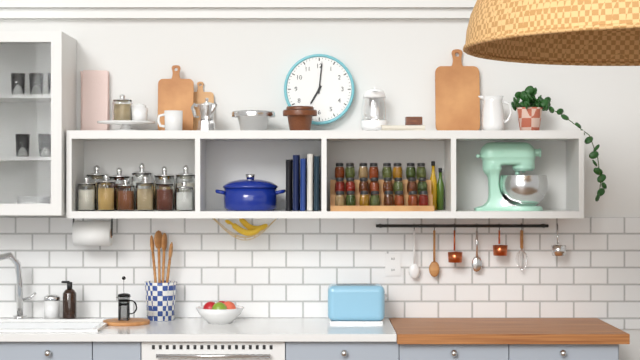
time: 7.01
